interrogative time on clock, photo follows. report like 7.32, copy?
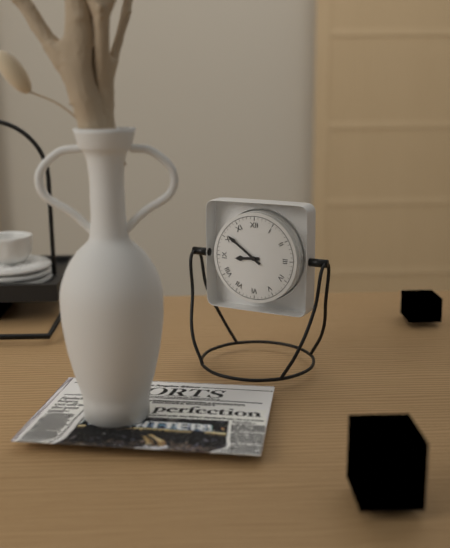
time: 8.51
